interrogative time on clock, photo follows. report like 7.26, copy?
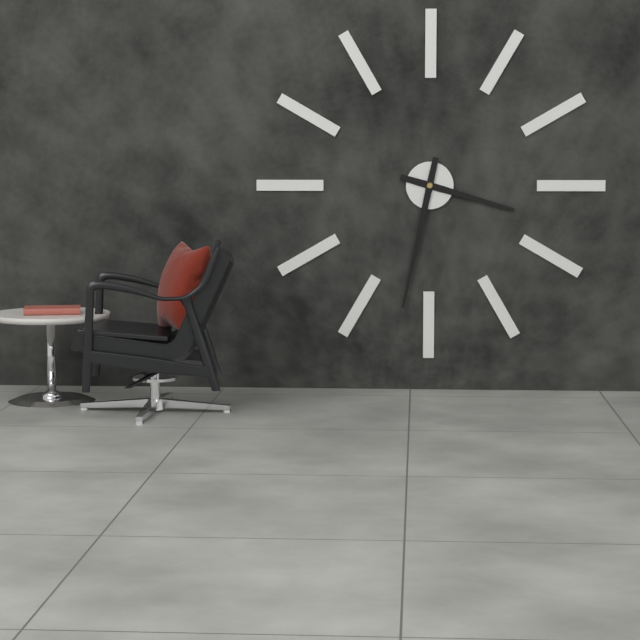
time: 3.32
